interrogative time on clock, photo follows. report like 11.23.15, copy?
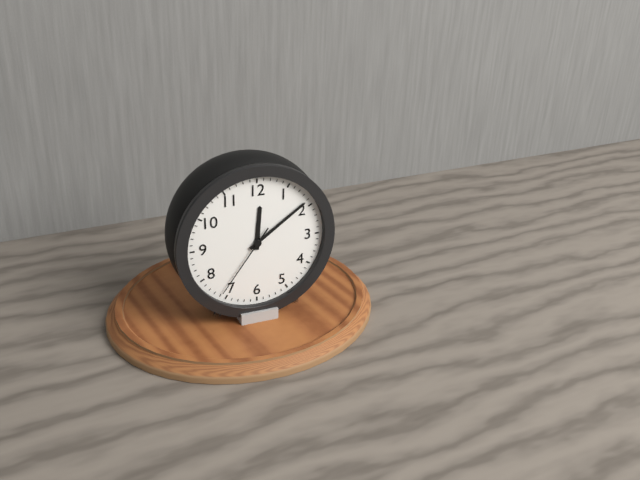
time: 12.09.36
